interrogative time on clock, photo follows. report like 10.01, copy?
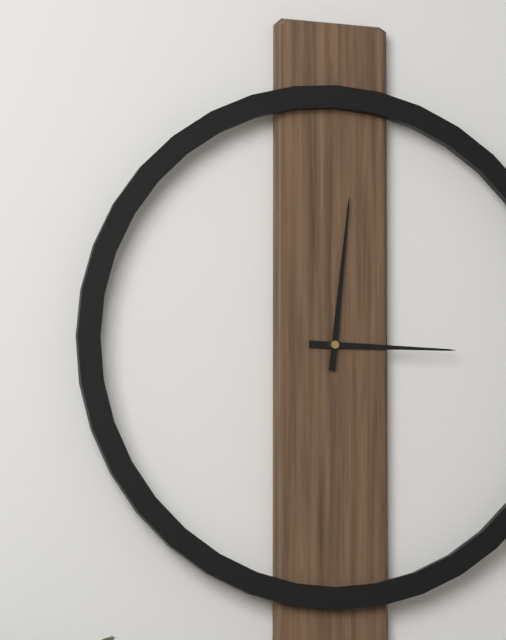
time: 3.01
